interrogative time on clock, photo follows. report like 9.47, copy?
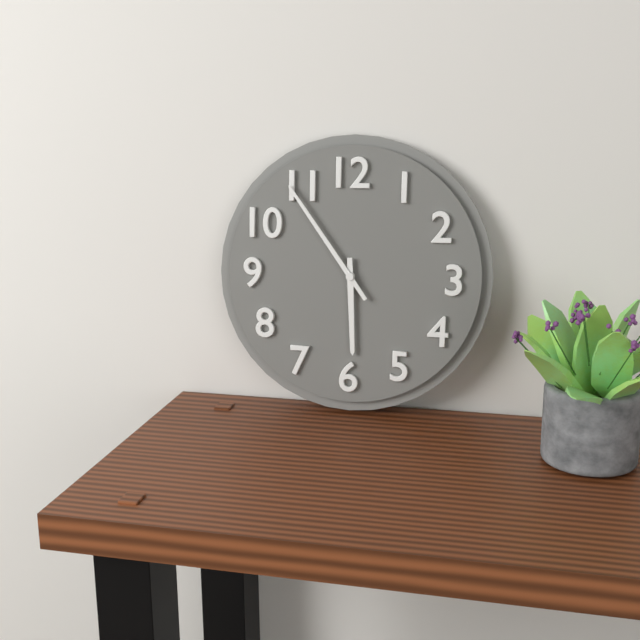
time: 5.54
